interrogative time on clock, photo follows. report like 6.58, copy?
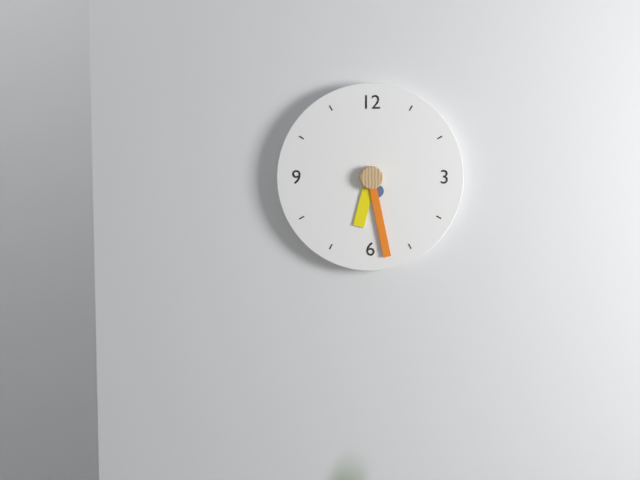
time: 6.28
